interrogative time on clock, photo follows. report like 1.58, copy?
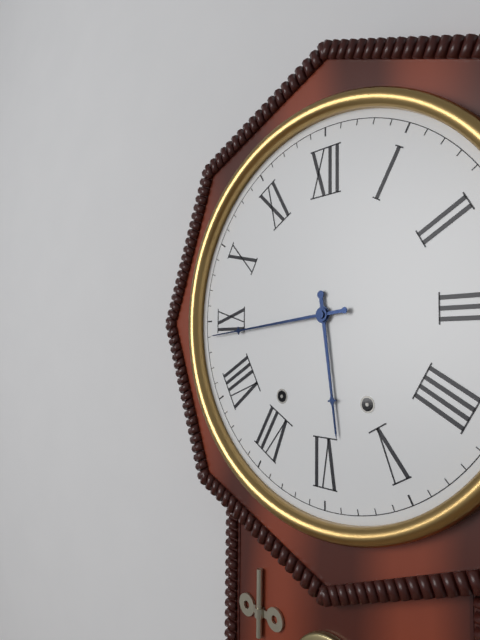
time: 5.44
